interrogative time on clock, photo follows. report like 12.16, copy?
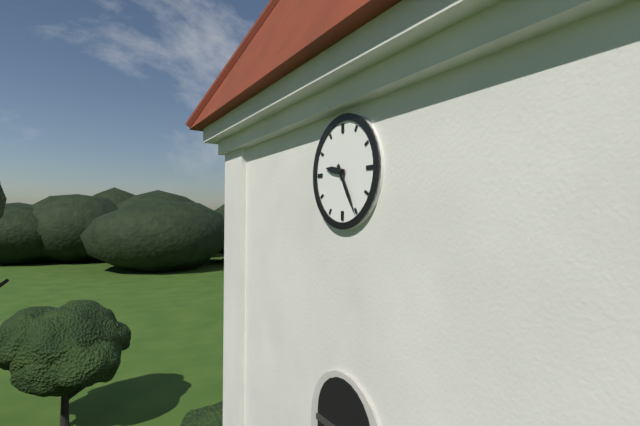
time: 9.25
